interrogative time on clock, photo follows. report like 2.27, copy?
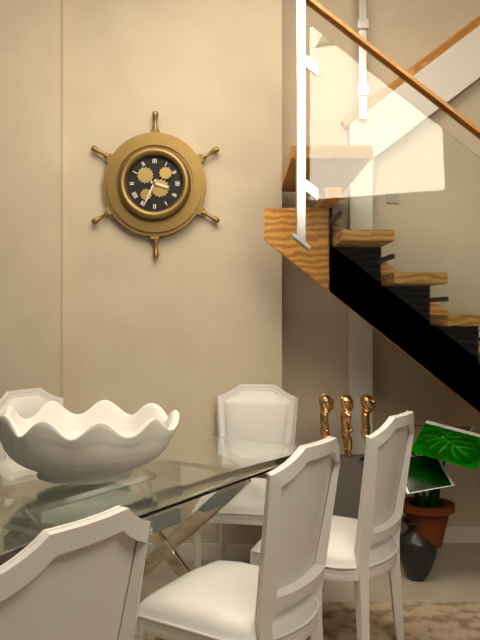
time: 3.34
